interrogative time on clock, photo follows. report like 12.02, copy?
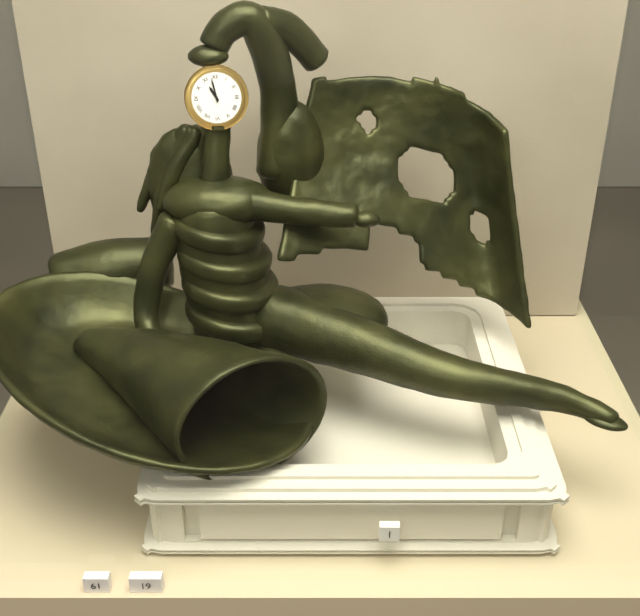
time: 10.58
